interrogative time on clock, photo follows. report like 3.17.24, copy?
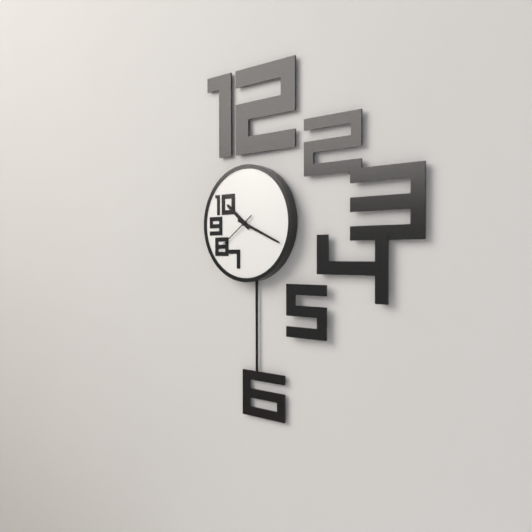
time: 10.19.39
